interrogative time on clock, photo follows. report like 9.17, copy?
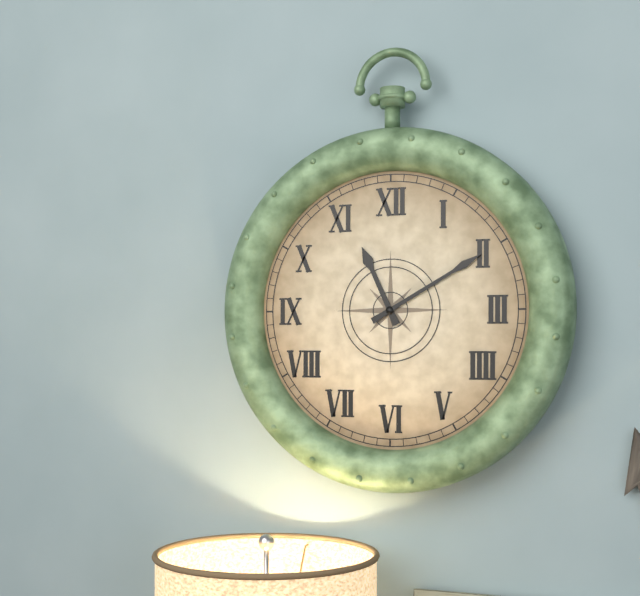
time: 11.10
